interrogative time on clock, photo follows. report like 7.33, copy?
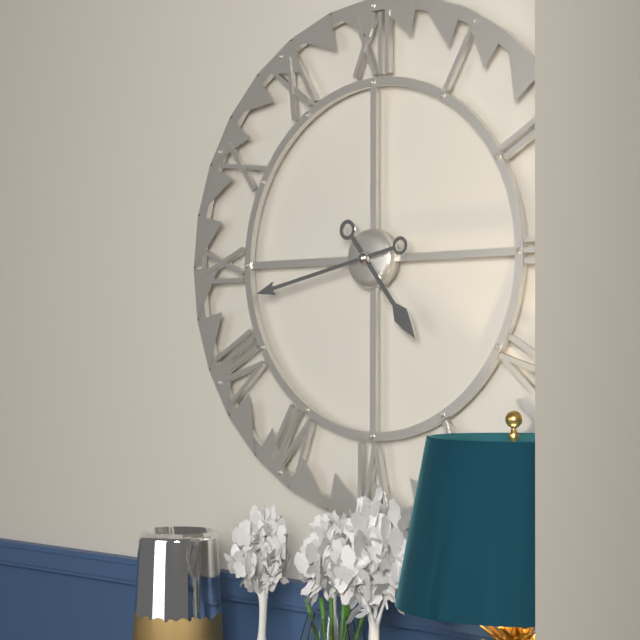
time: 4.43
